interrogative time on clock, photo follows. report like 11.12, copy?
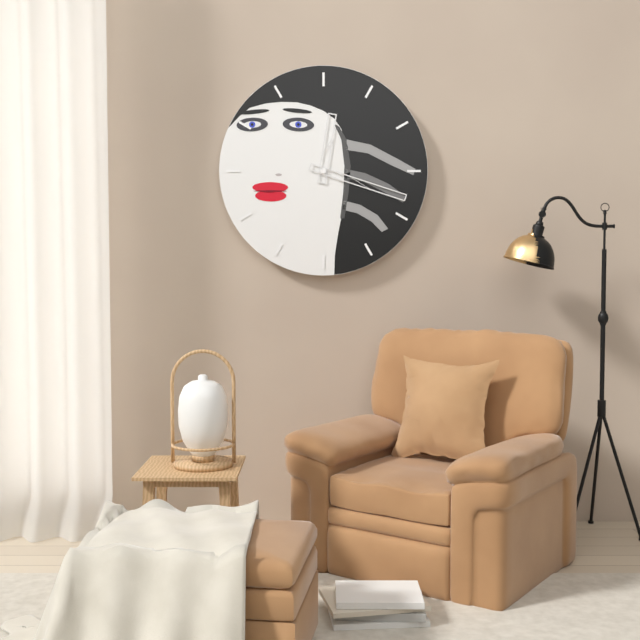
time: 12.18
